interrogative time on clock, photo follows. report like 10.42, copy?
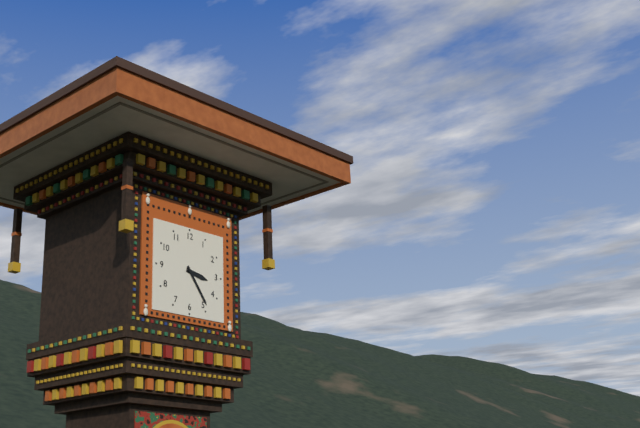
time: 3.24
